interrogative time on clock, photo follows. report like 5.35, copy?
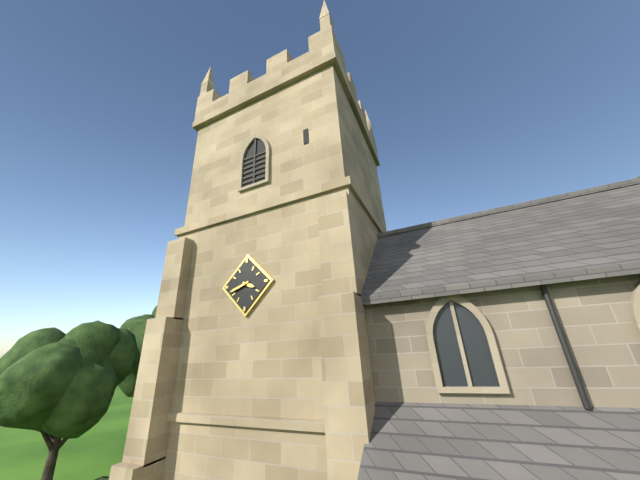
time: 3.42
